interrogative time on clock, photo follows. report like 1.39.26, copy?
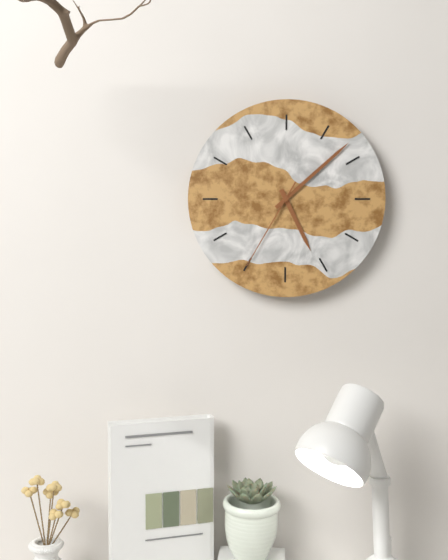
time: 5.08.35
